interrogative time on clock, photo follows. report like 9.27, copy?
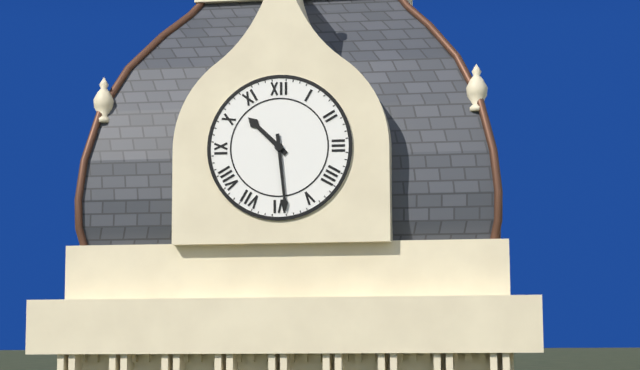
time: 10.29
